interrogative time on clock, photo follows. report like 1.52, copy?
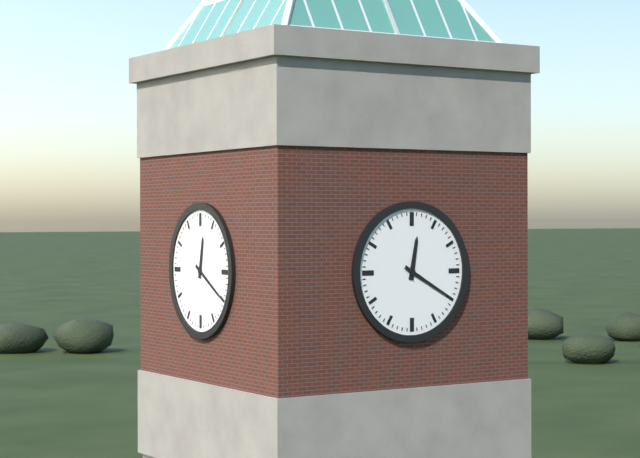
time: 12.20
